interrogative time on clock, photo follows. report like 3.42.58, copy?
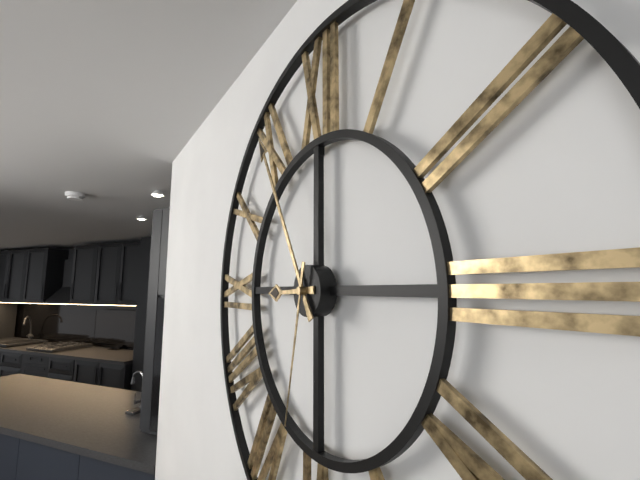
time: 8.55.32
